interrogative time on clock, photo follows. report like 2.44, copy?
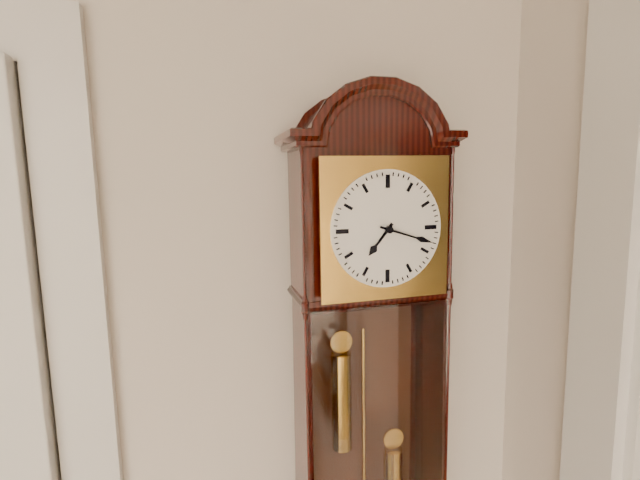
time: 7.18
